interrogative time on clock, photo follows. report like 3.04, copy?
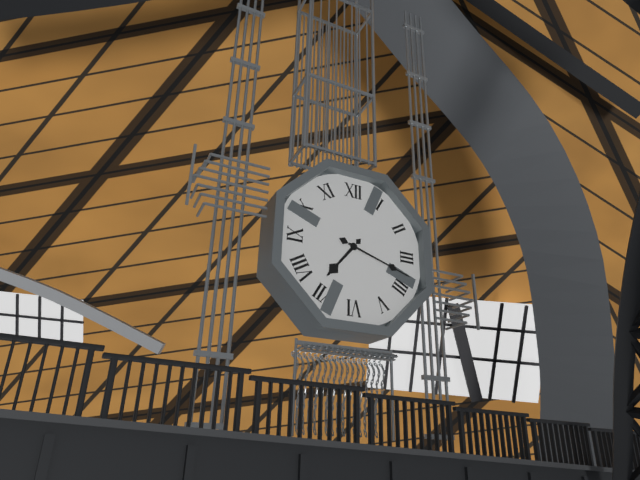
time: 7.18
